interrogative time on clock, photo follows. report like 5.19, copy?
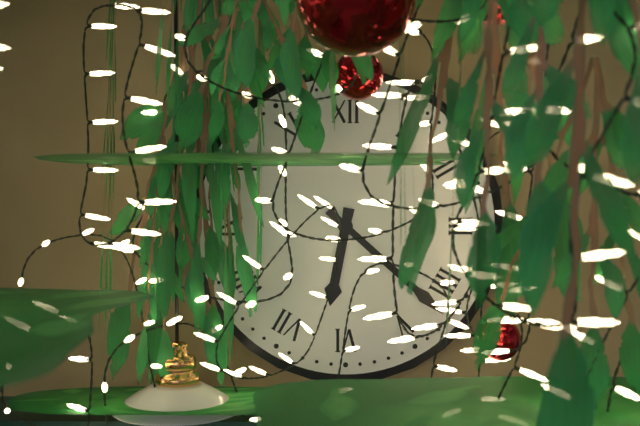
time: 6.22
